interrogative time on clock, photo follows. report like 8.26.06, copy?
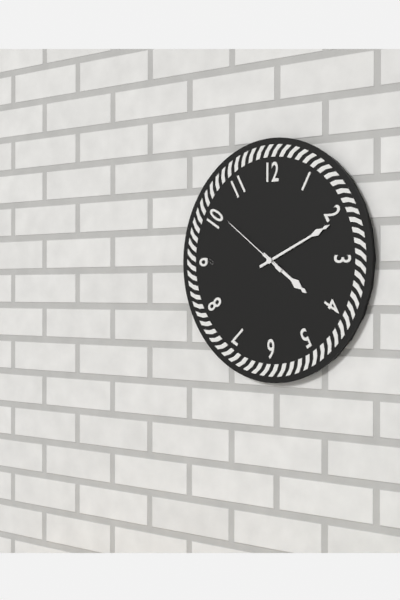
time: 4.11.51
